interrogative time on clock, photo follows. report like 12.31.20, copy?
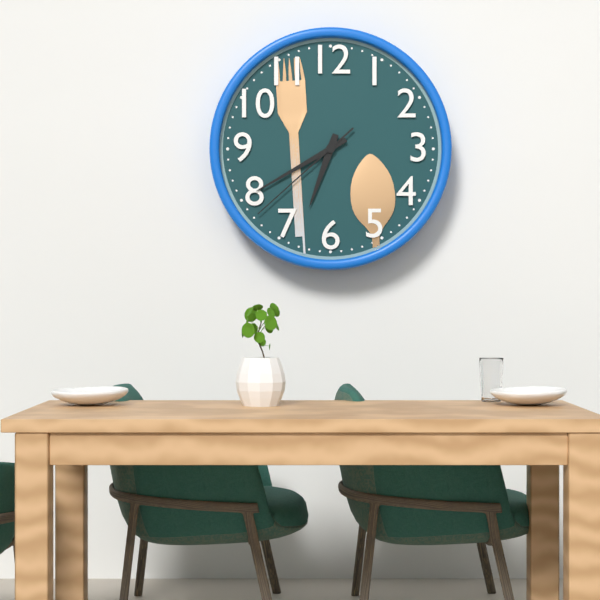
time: 6.40.38
